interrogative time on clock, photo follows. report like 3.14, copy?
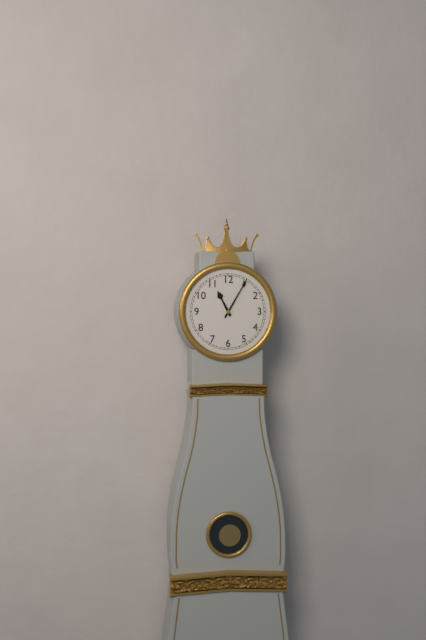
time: 11.05
